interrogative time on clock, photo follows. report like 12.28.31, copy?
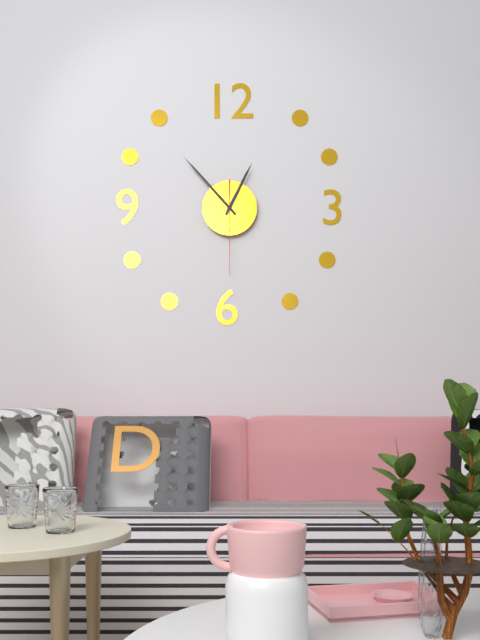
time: 12.53.30
